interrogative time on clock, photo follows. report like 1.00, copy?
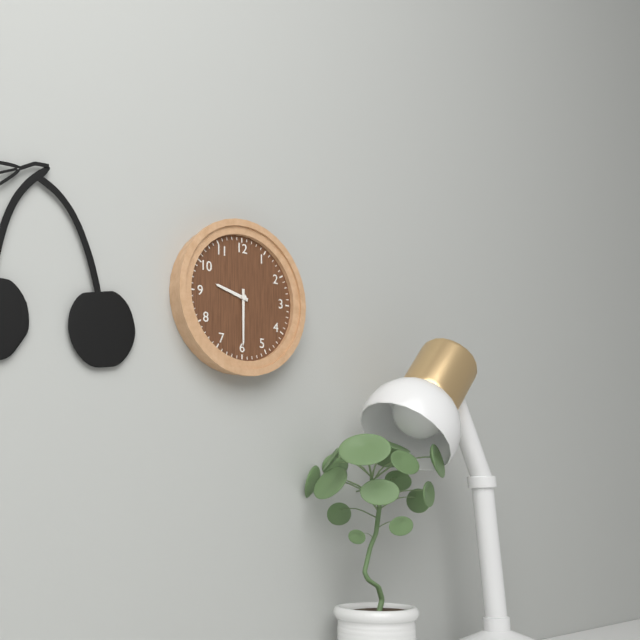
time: 9.30
